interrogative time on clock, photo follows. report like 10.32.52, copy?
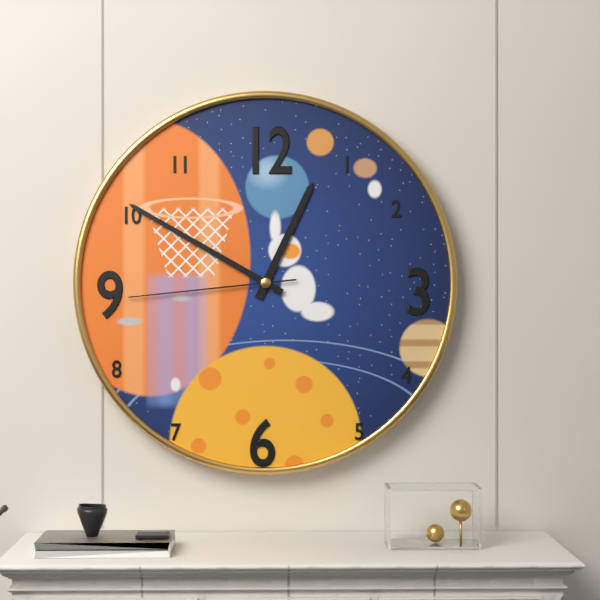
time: 12.50.44
